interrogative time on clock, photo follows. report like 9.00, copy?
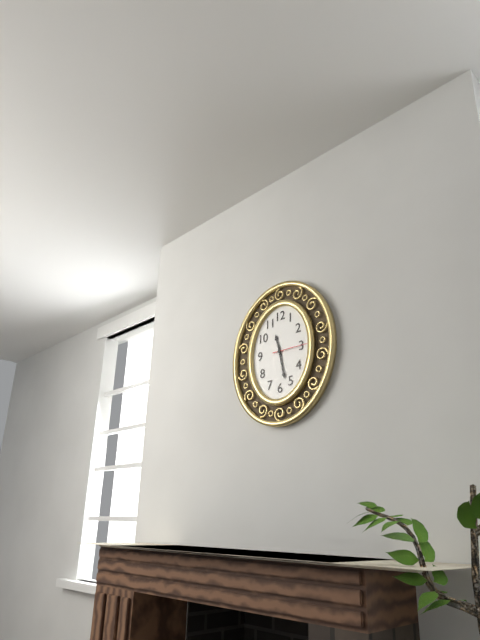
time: 11.28
